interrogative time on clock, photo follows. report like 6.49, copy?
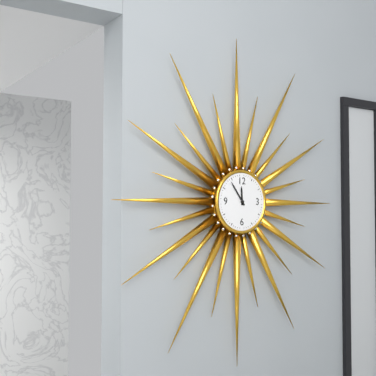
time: 11.54
